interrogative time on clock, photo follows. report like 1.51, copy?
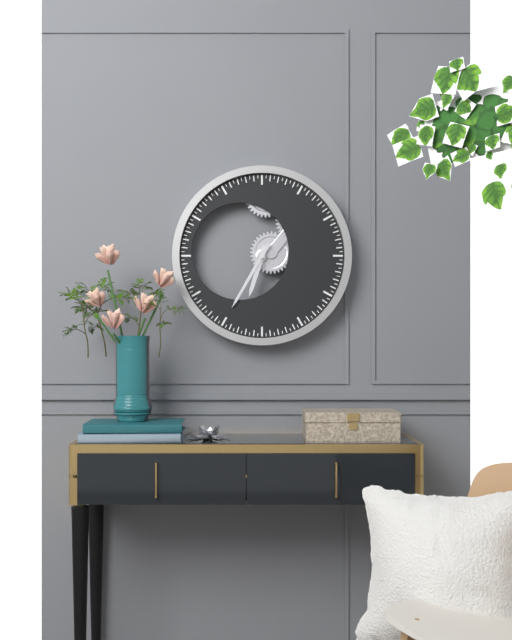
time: 6.35
